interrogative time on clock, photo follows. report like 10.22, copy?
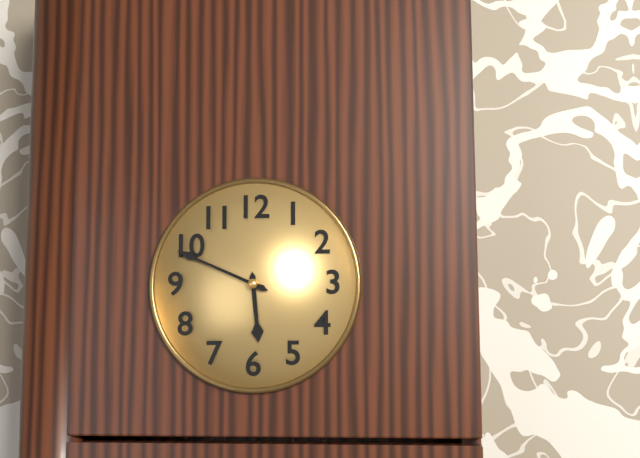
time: 5.49
